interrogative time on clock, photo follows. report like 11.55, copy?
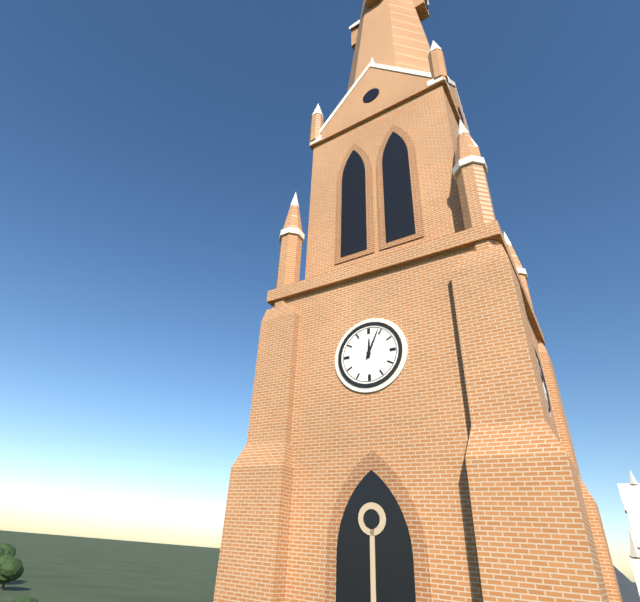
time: 12.04
